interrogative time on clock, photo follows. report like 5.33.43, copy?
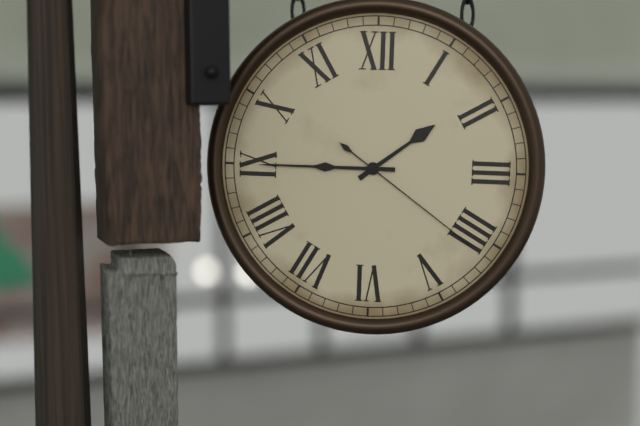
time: 1.45.21
